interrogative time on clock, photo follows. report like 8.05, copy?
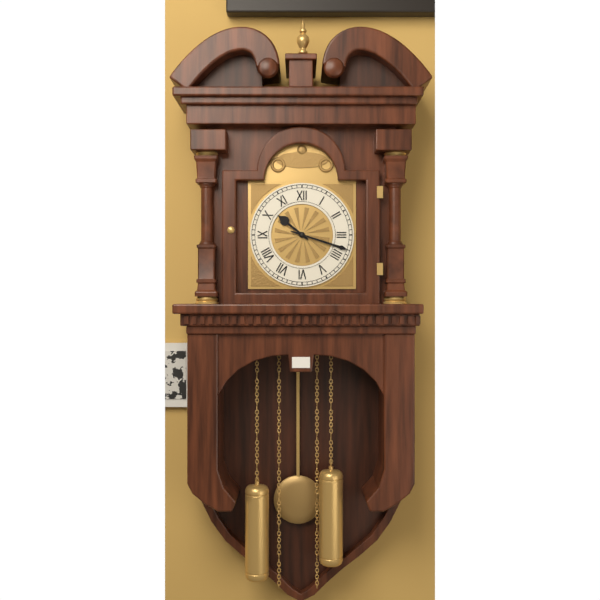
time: 10.18
